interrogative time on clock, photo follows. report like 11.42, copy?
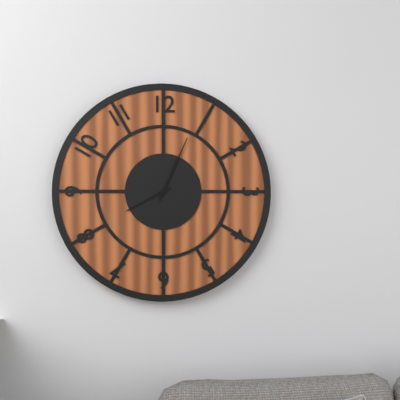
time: 8.04
